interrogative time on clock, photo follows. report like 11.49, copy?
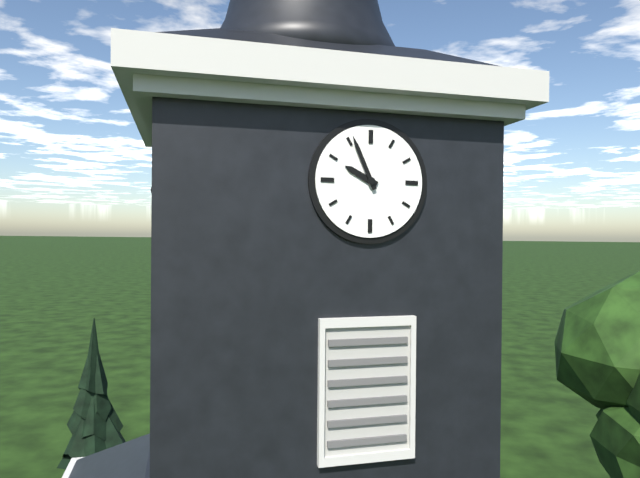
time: 9.56
